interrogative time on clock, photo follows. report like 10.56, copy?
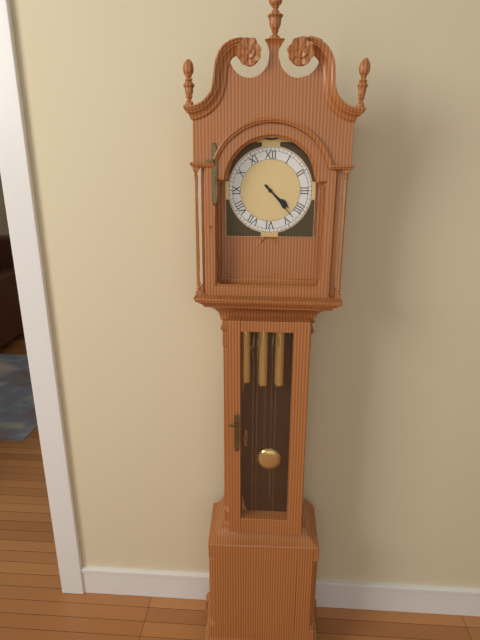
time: 4.23
